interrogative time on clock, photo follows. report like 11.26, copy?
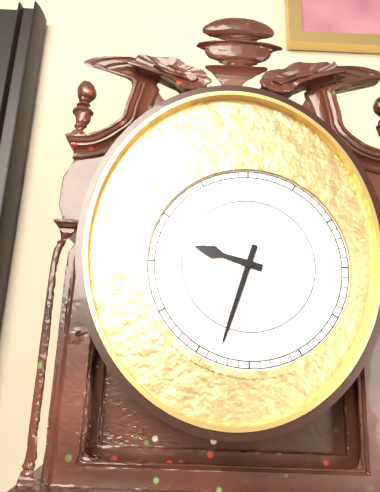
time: 9.33
